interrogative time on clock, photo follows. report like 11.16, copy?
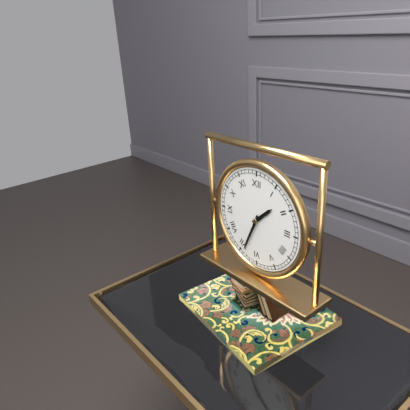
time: 1.34
